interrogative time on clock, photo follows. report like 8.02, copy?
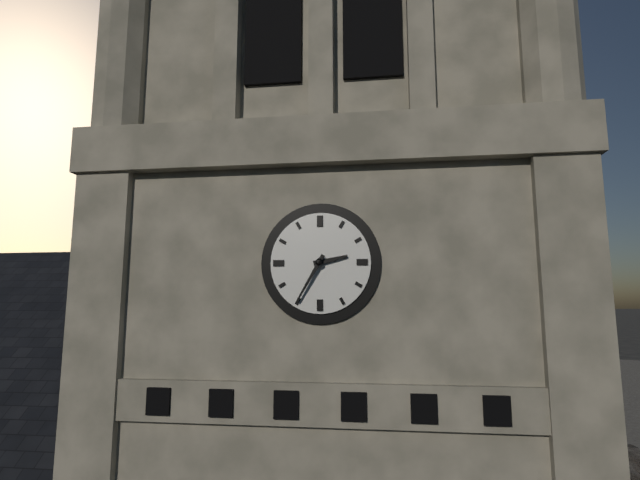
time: 2.35
